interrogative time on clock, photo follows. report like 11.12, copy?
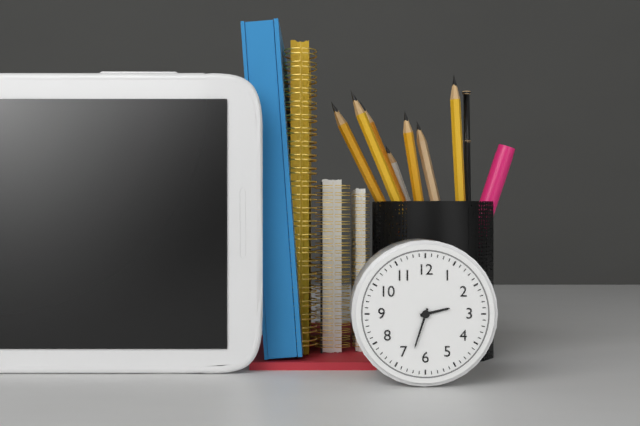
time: 2.33
